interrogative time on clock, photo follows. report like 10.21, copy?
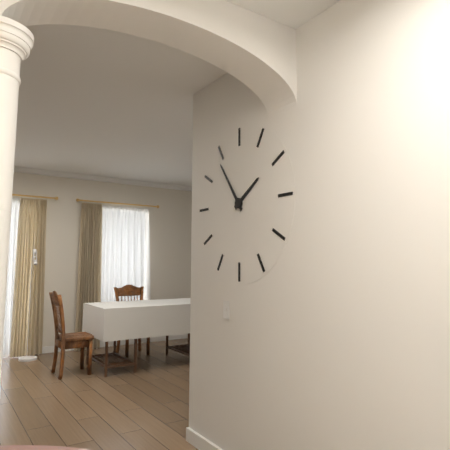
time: 1.54
